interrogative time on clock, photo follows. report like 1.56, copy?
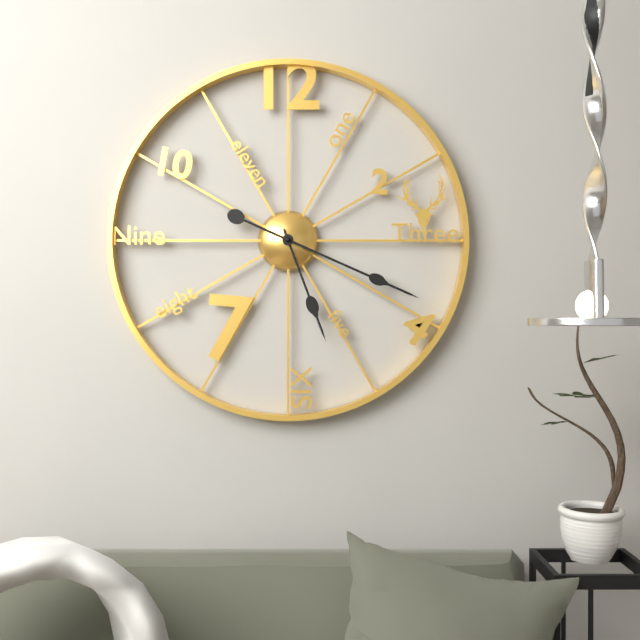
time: 5.19
